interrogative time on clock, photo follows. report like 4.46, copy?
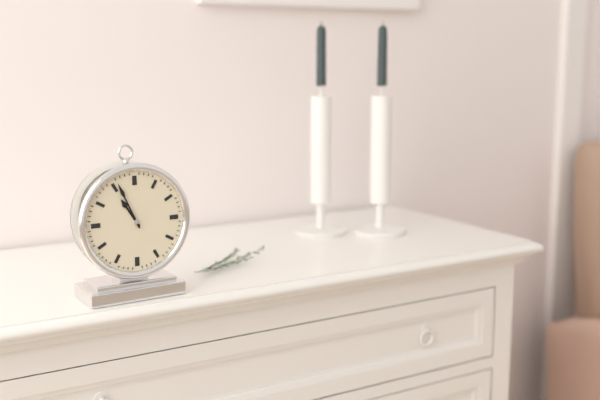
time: 10.56
